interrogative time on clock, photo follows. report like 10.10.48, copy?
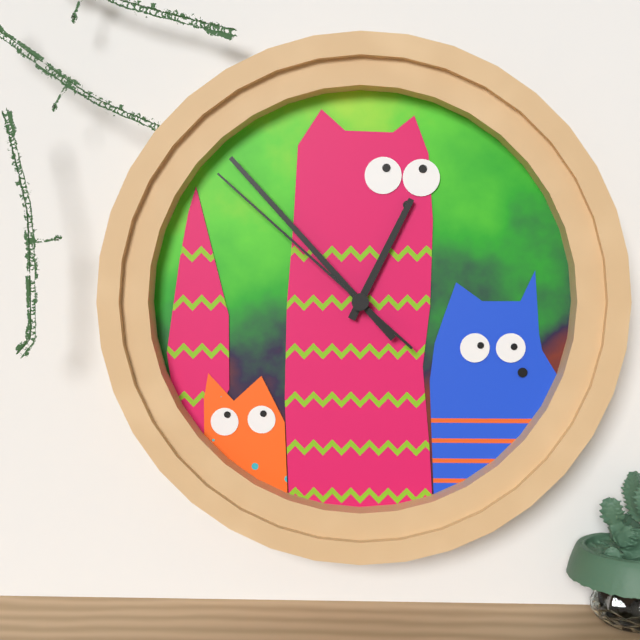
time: 12.53.52
